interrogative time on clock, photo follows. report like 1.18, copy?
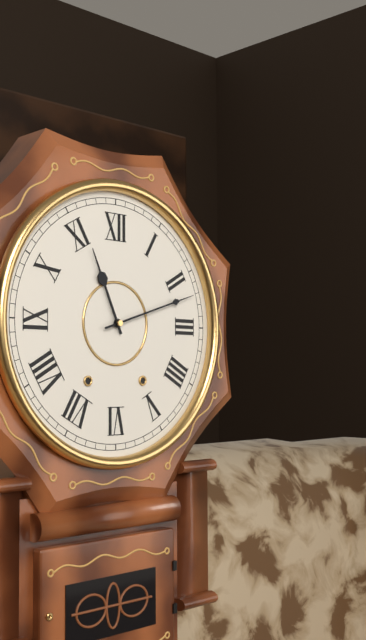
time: 11.12
